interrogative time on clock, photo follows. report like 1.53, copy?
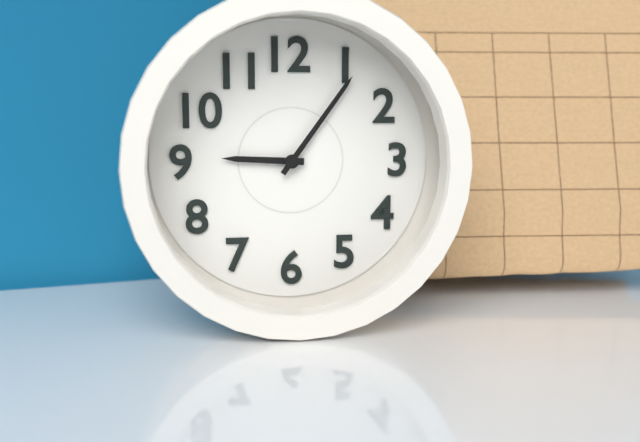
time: 9.06
